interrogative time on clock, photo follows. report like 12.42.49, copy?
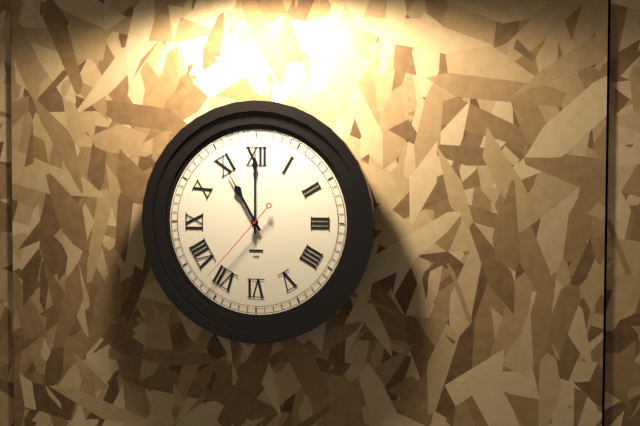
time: 11.00.37
